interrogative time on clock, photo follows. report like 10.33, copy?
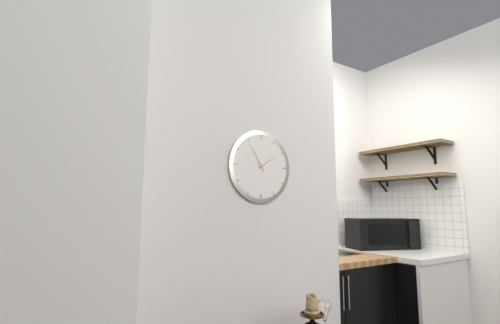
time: 1.55
